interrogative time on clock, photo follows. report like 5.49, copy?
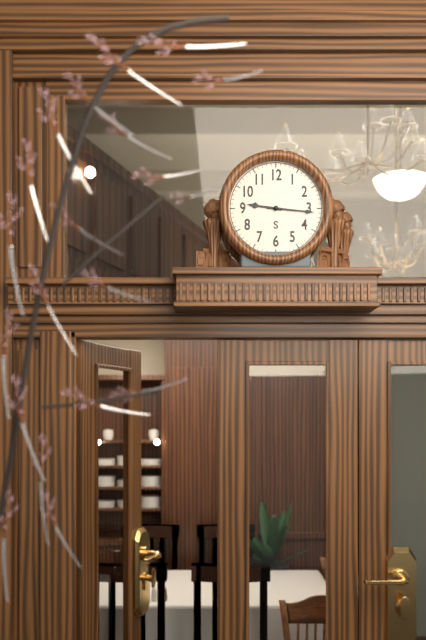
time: 9.16
